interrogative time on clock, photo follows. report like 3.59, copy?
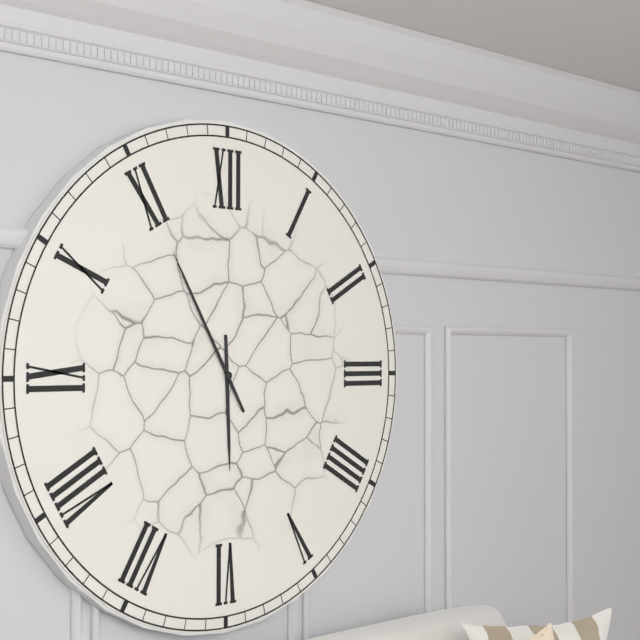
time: 5.55
